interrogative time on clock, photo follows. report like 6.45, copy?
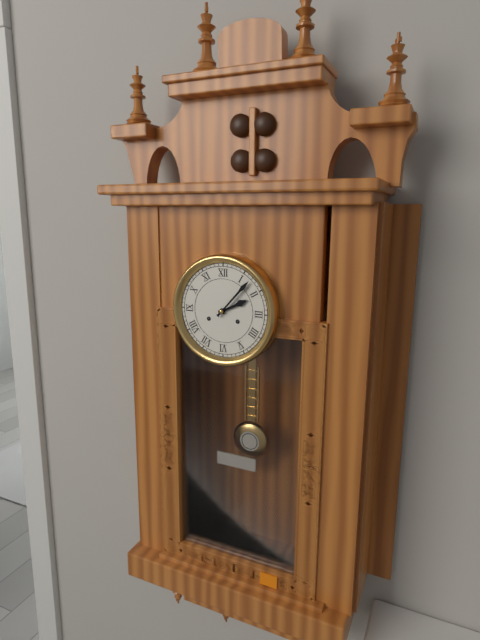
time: 2.07
